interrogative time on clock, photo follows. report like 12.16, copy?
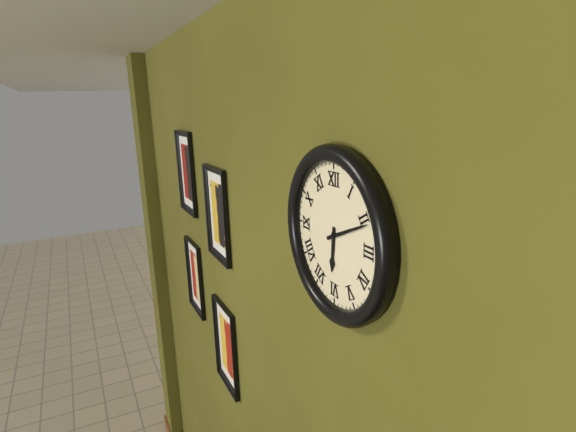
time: 6.11
